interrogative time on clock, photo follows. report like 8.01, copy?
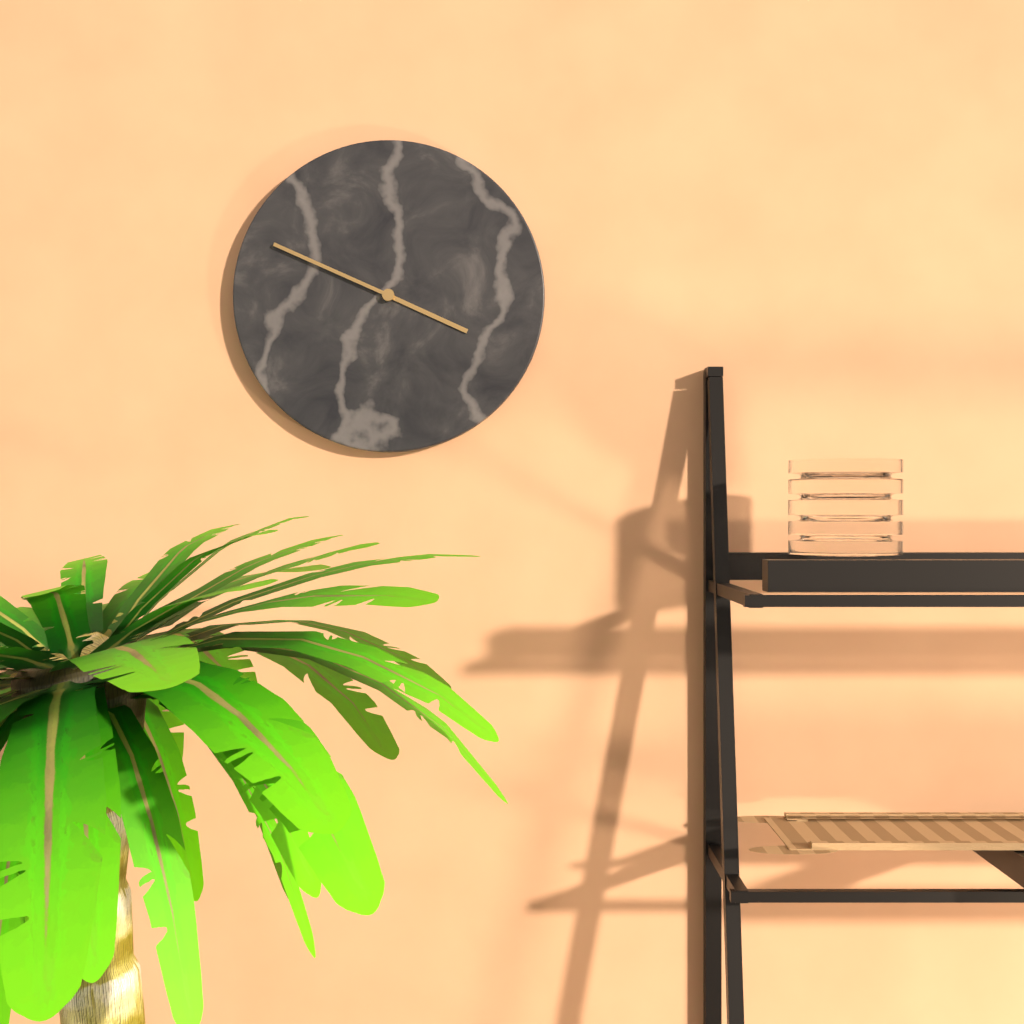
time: 3.49
